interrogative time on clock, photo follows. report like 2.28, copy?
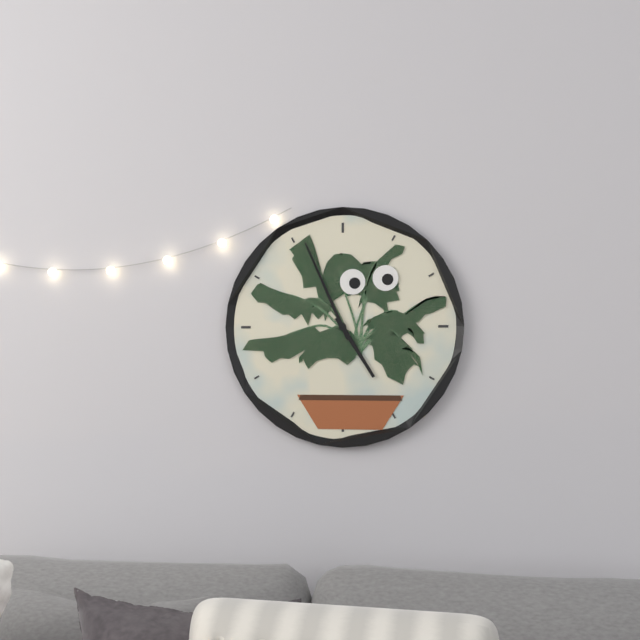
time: 4.56
